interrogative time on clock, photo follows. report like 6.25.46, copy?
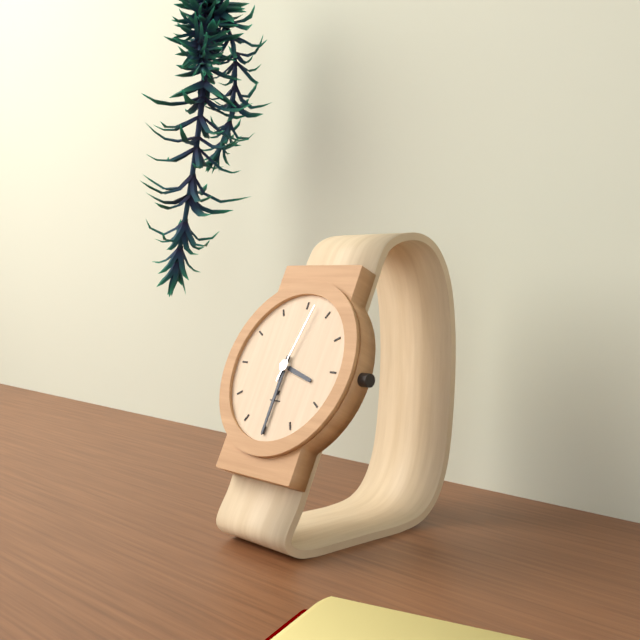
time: 3.30.02
